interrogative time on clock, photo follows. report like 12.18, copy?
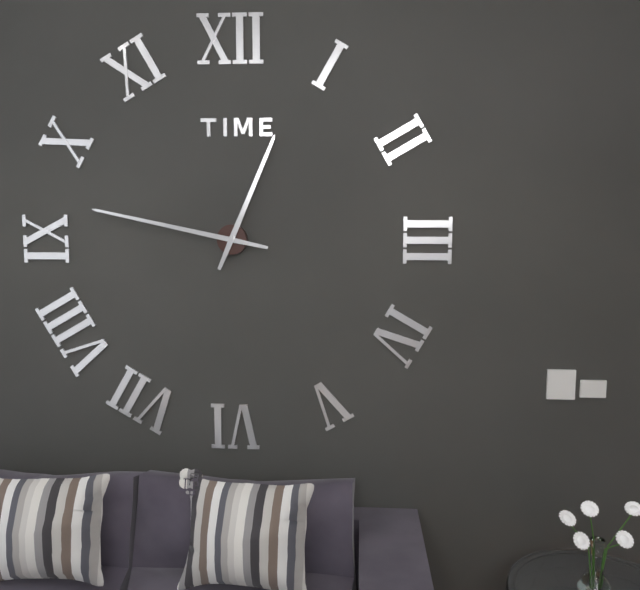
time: 12.47
